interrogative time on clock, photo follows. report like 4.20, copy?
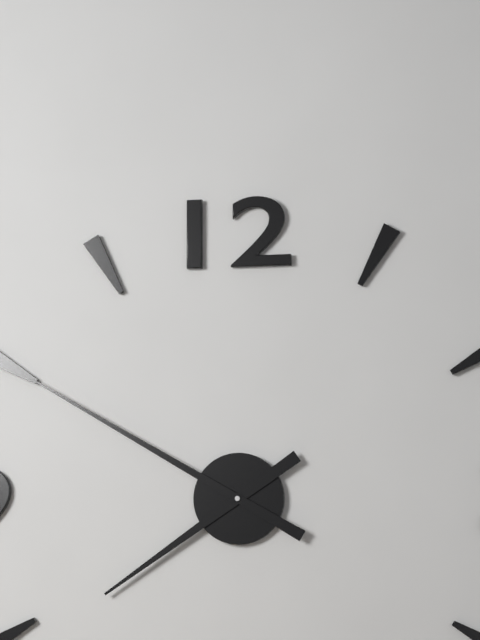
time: 7.50
